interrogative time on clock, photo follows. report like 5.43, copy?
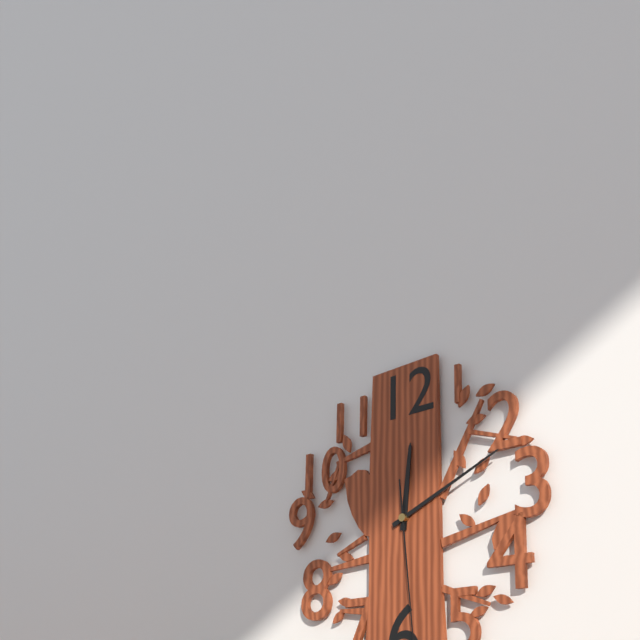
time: 12.11
